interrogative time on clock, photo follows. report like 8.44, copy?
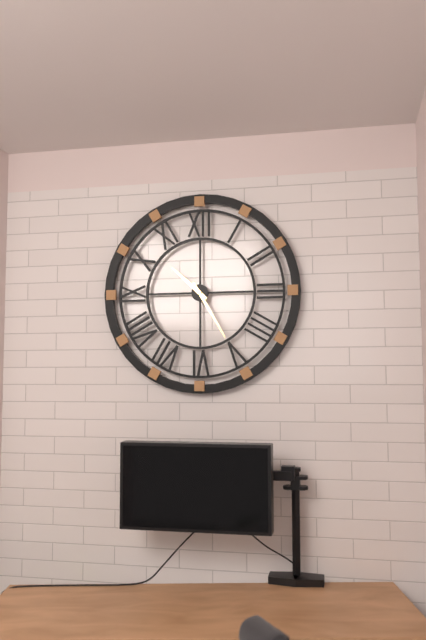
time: 10.25
